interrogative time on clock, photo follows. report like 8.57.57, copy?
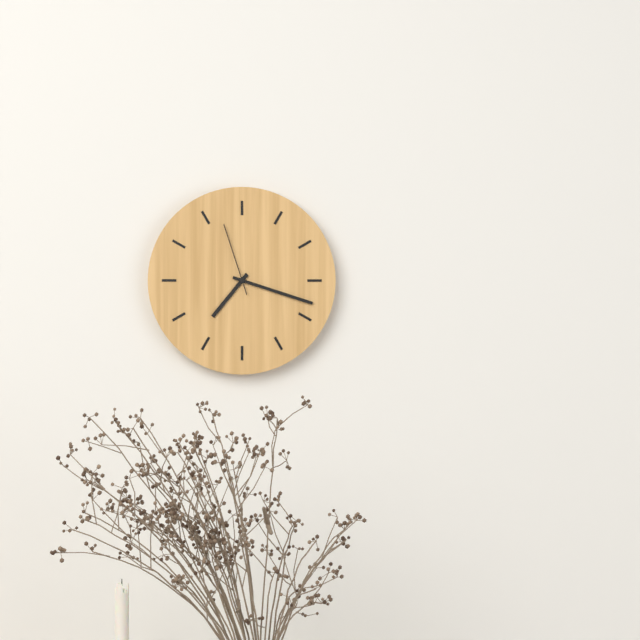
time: 7.18.57
